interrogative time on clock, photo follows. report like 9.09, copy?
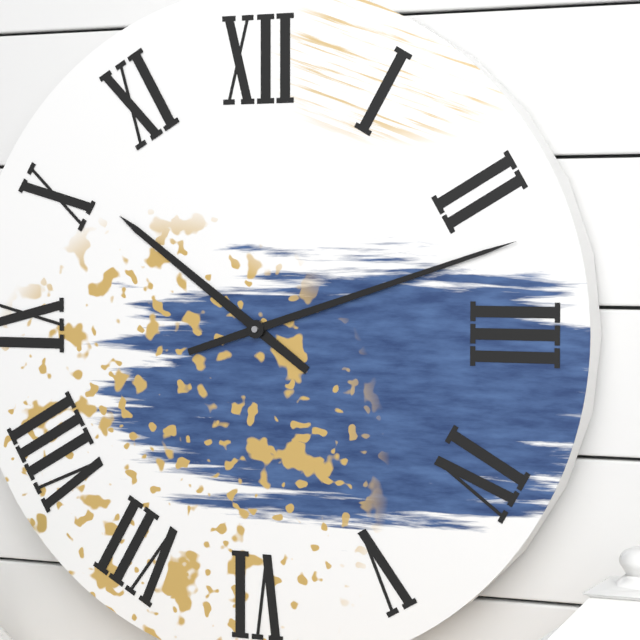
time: 10.12
